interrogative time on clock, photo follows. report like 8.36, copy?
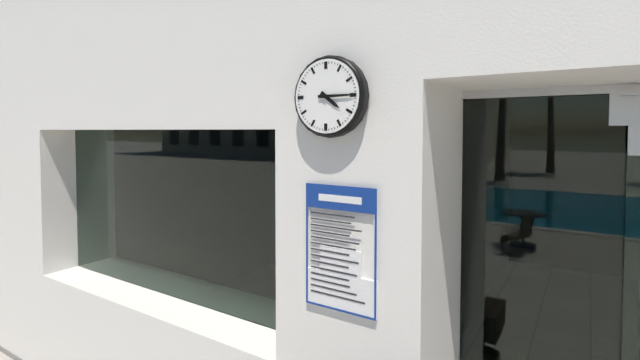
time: 4.15
